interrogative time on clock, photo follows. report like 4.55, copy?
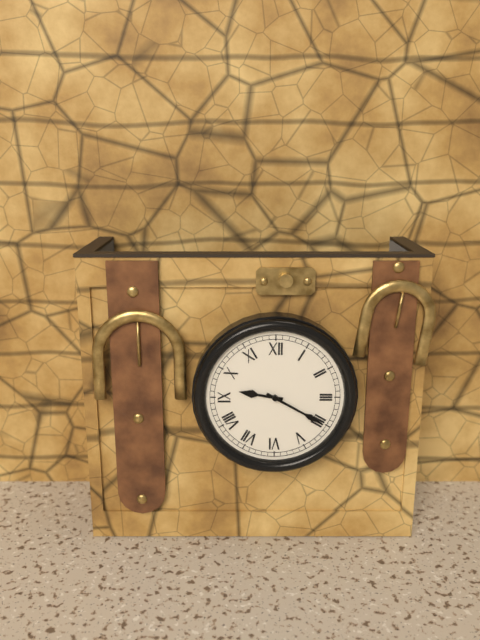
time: 9.20
